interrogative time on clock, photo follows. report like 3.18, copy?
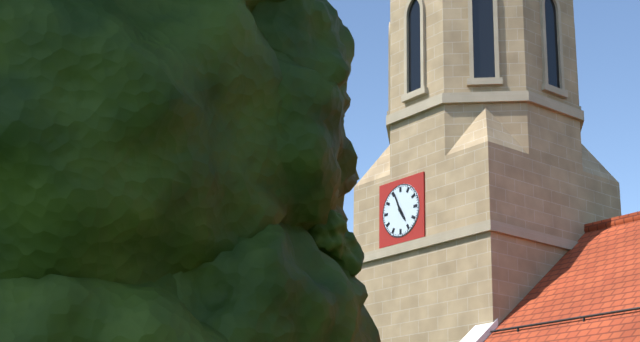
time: 4.56
